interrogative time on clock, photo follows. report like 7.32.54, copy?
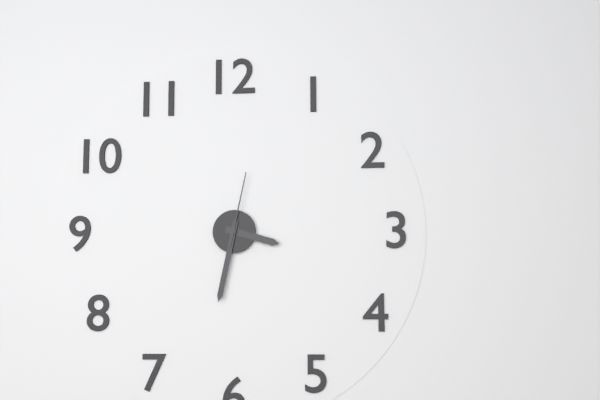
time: 3.32.02
